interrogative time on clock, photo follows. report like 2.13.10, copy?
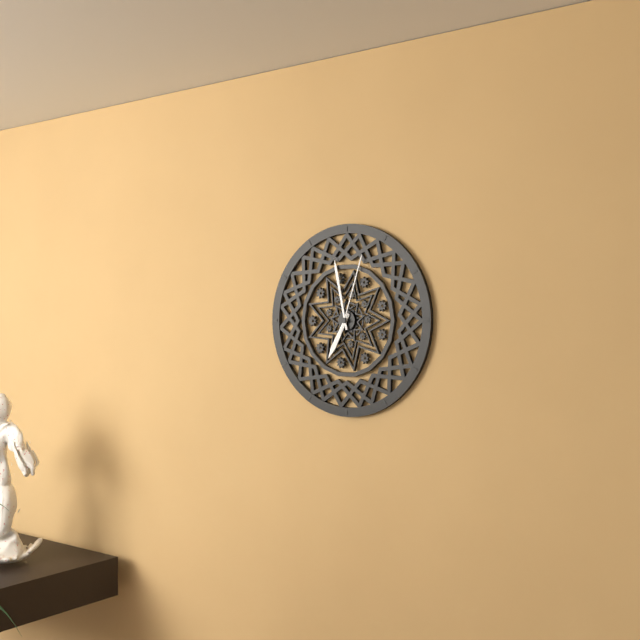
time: 6.58.03
